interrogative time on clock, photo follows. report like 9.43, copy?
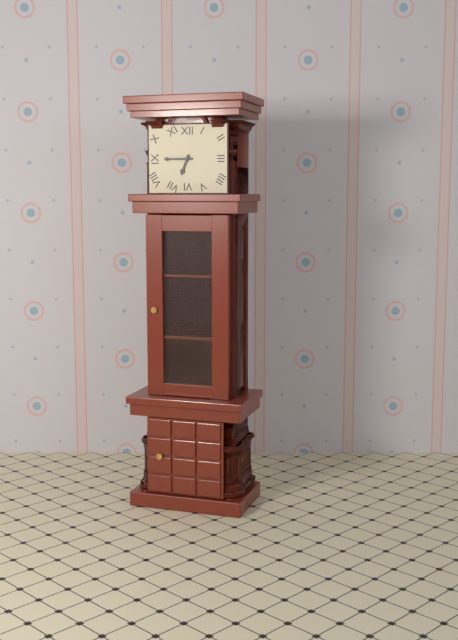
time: 6.45
